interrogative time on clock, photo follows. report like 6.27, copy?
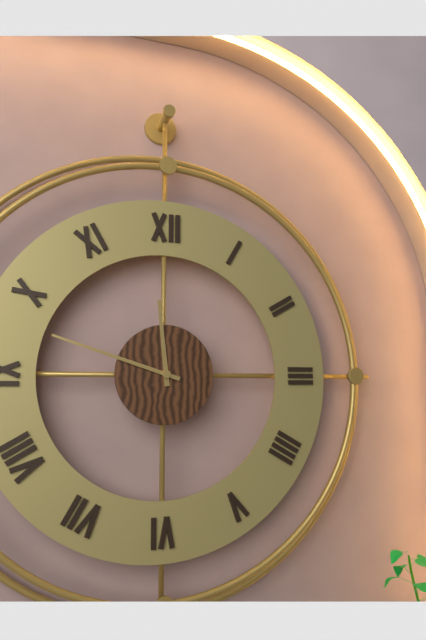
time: 11.48
